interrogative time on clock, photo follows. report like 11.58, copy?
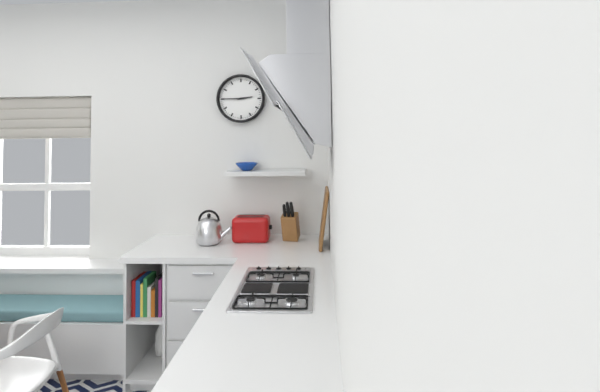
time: 2.45
